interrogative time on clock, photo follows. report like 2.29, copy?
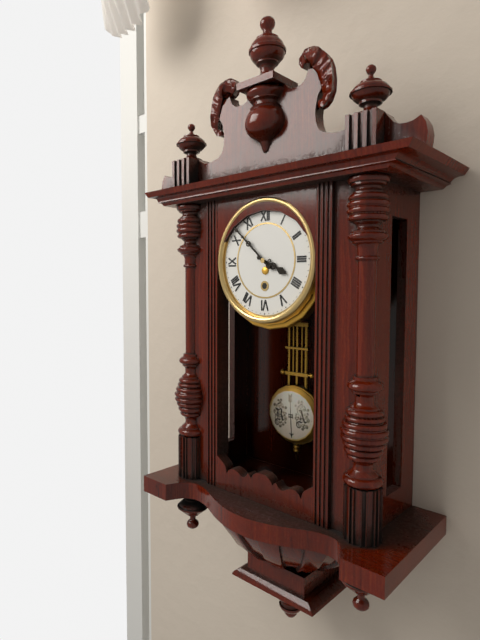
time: 3.52
